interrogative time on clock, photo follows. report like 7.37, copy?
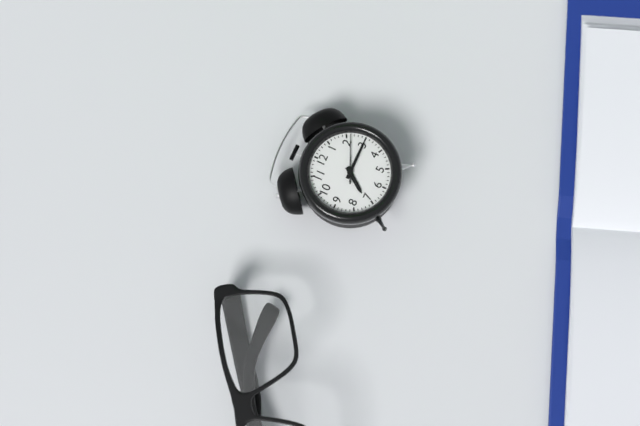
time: 7.15
